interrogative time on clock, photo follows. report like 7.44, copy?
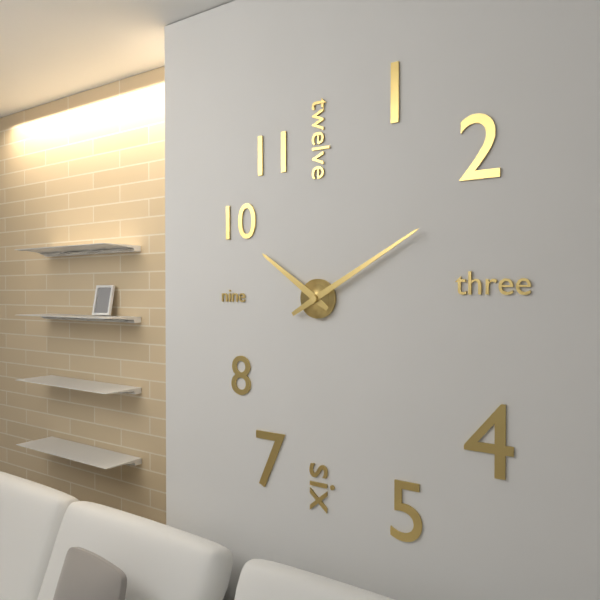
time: 10.10
